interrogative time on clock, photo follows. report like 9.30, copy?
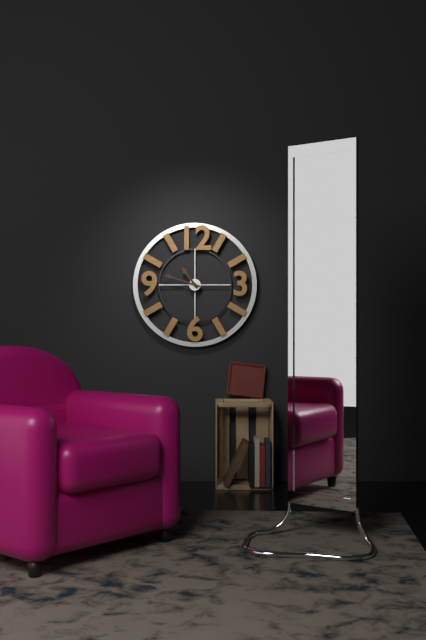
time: 10.48
